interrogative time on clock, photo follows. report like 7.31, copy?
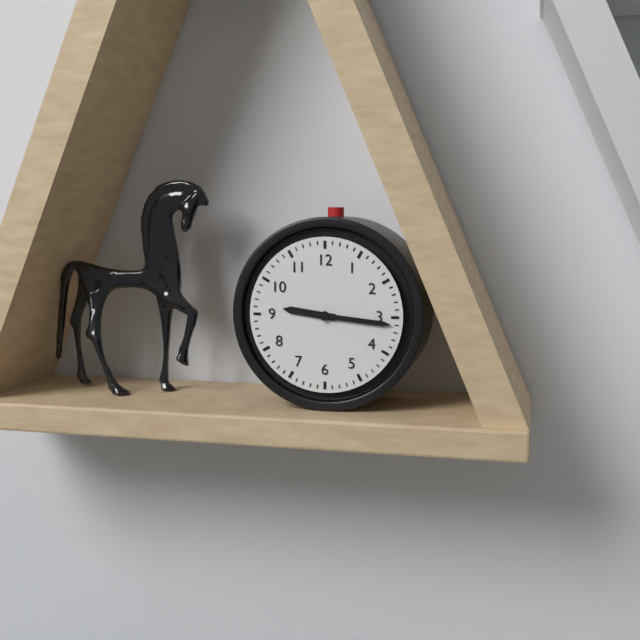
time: 9.16
